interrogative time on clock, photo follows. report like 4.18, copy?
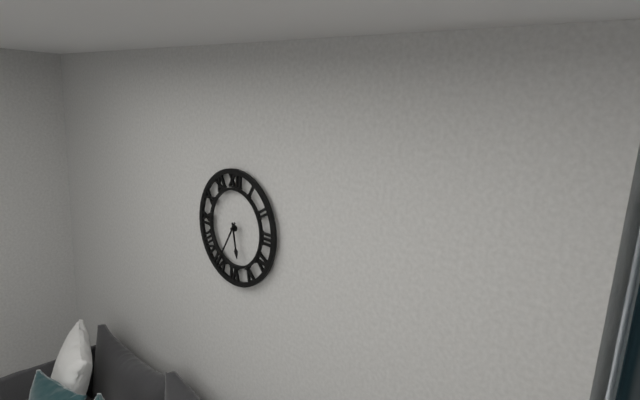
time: 5.35
